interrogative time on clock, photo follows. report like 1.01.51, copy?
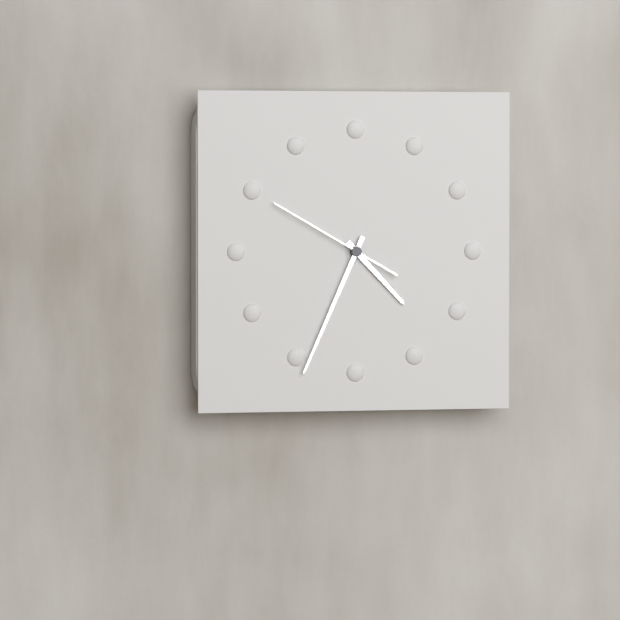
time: 4.34.50
